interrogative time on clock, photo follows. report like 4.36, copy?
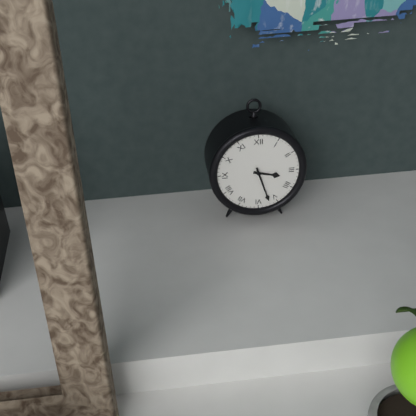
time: 3.27
